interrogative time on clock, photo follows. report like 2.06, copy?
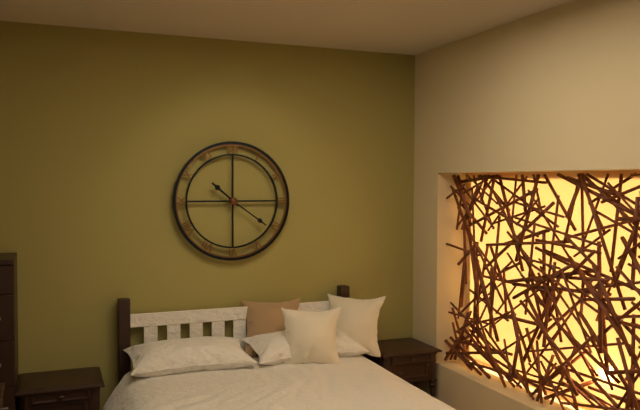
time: 10.21
